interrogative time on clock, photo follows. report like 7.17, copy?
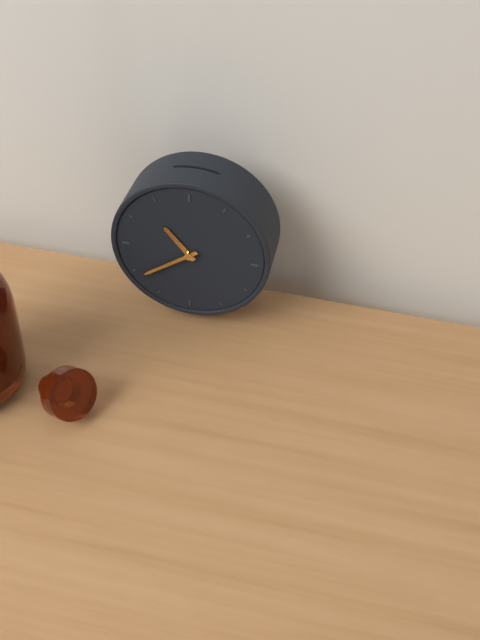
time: 10.39
